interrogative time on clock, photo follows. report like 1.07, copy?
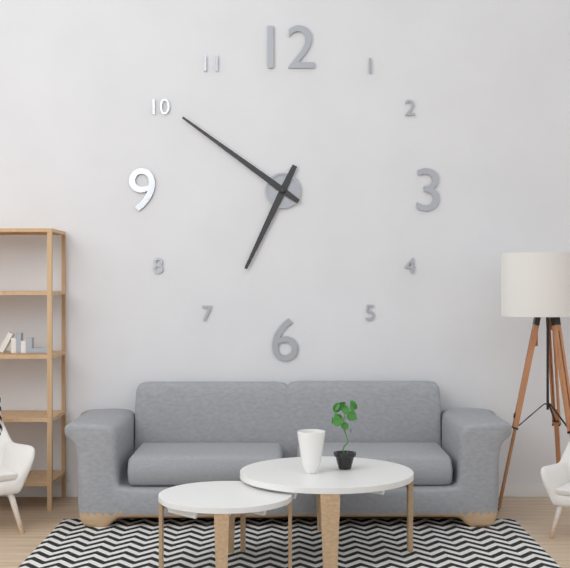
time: 6.51
